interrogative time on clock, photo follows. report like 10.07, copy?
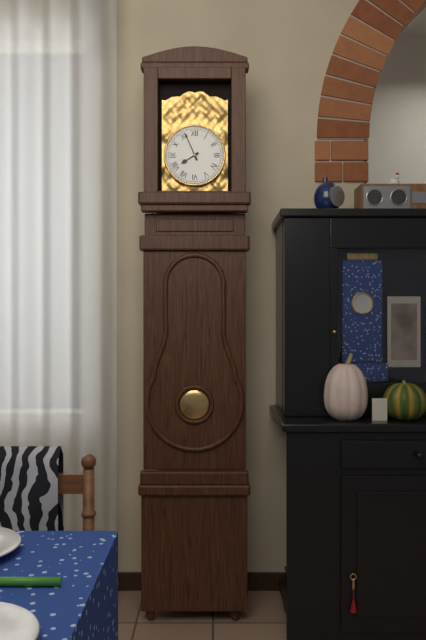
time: 7.56
